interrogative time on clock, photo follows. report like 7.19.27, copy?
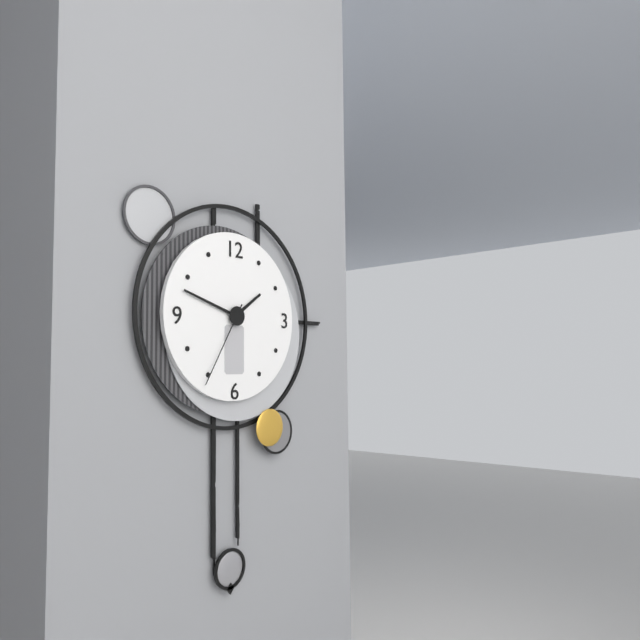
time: 1.48.35
